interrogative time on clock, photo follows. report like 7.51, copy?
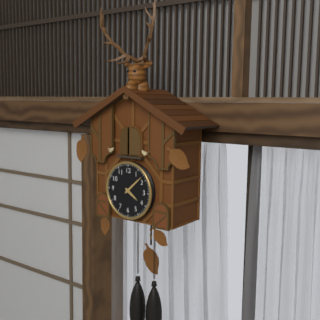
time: 4.08
